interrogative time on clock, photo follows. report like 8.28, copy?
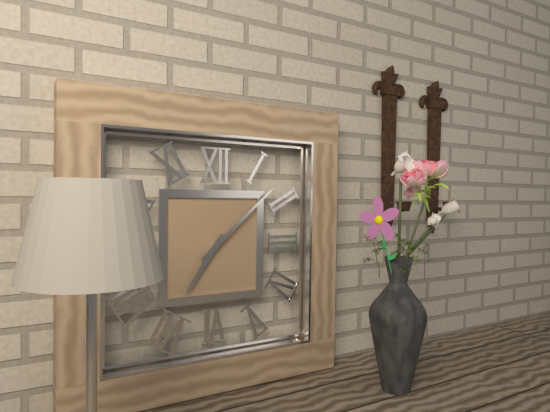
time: 7.08
